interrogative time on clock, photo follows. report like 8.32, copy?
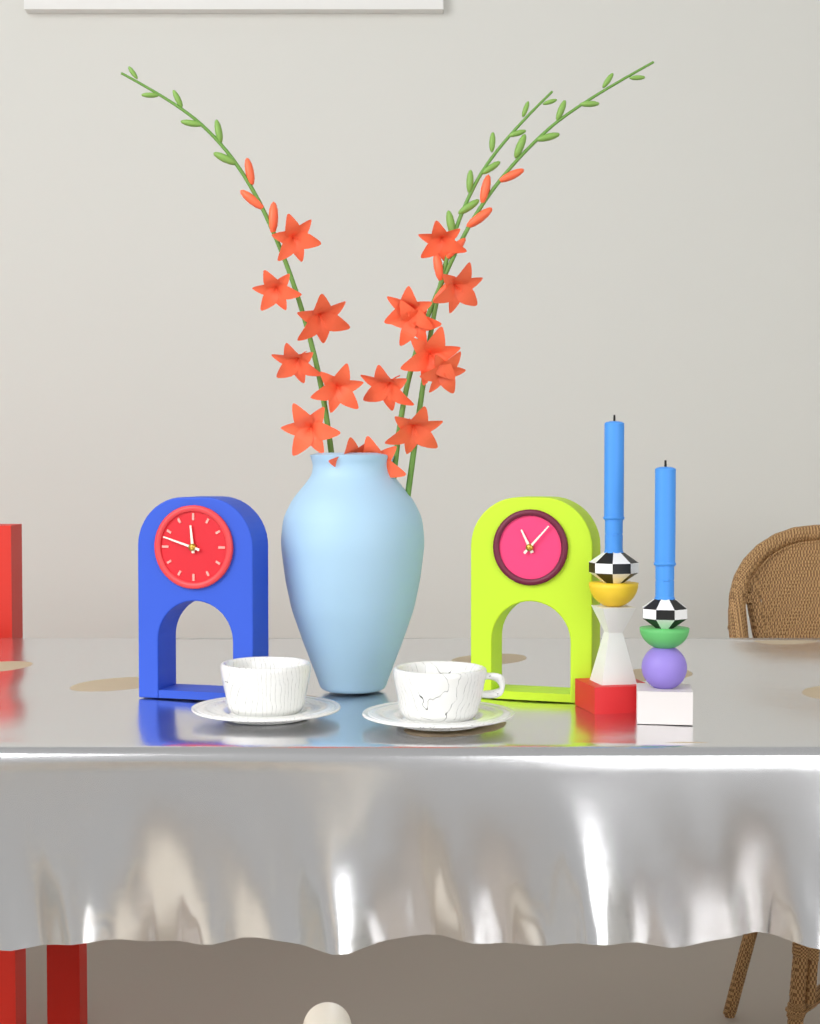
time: 11.48
